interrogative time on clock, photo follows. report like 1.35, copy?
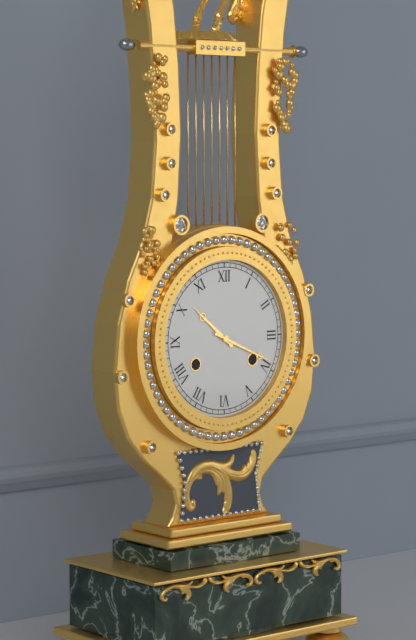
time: 10.19
